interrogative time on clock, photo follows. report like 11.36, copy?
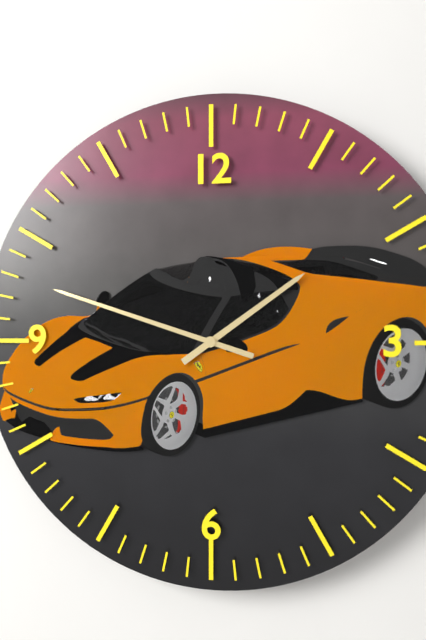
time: 1.48
